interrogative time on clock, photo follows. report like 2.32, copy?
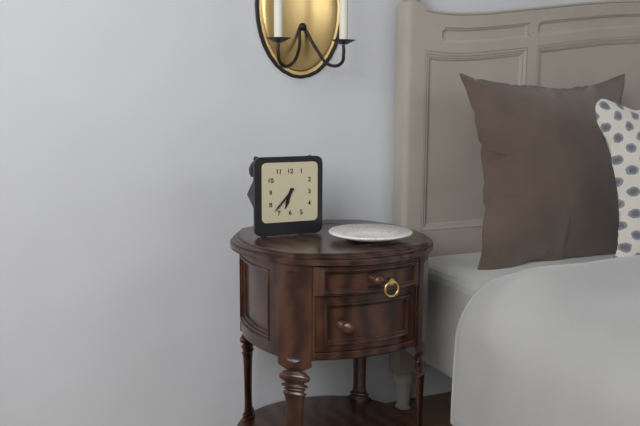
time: 6.37
